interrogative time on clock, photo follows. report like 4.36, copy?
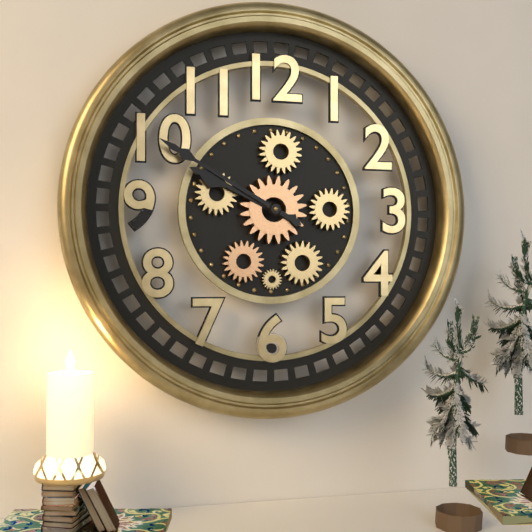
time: 9.50
